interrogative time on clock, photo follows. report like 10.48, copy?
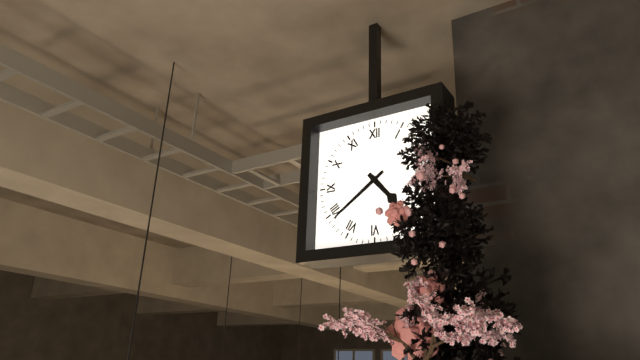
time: 4.39
